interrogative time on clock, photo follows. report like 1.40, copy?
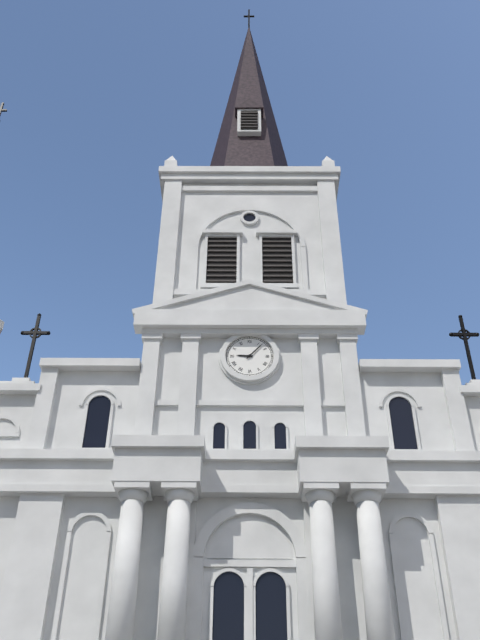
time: 9.07
